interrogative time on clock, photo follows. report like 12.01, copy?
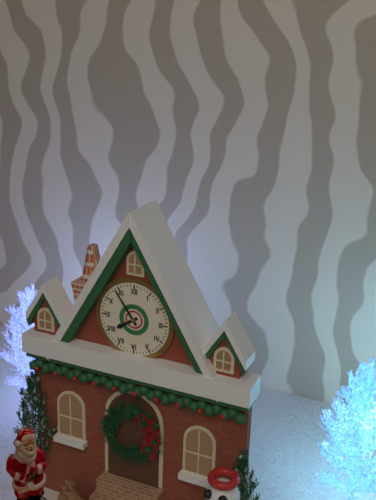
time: 7.54
